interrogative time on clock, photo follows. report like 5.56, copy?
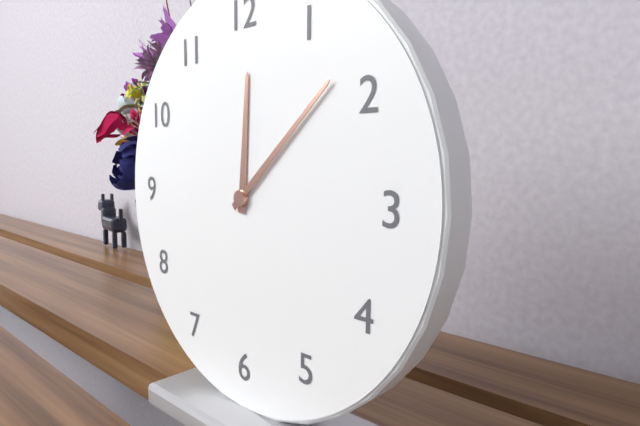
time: 12.08
